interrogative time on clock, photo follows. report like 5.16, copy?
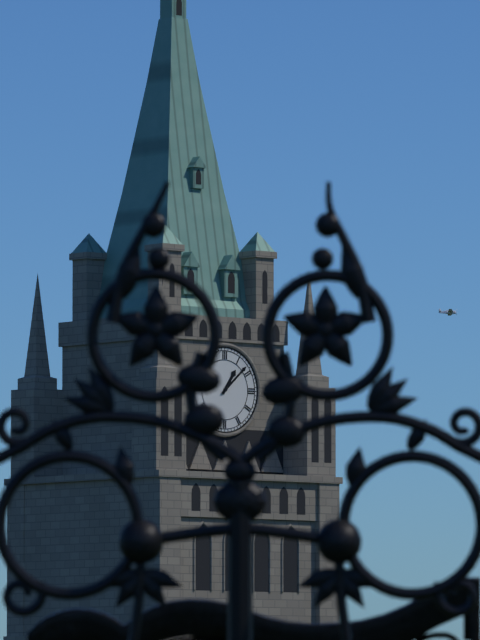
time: 1.08
